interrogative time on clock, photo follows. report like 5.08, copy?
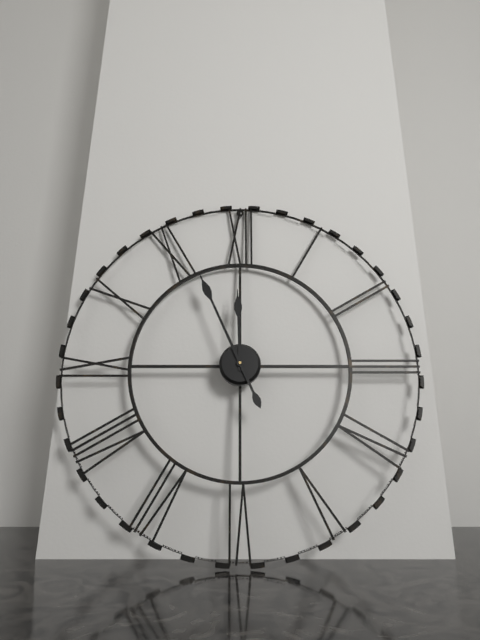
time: 11.56
